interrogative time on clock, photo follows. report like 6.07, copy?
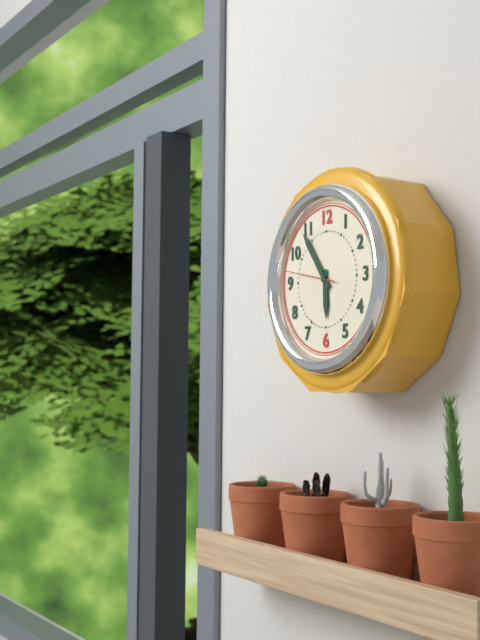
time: 5.54
